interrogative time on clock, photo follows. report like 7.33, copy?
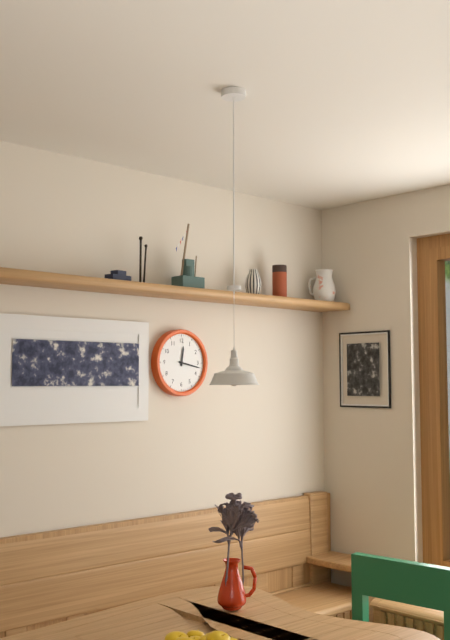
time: 12.17
